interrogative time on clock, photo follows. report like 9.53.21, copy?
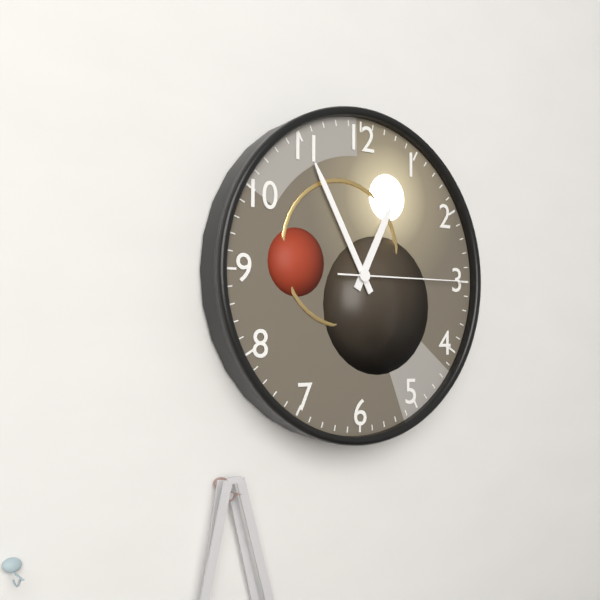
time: 12.55.15
